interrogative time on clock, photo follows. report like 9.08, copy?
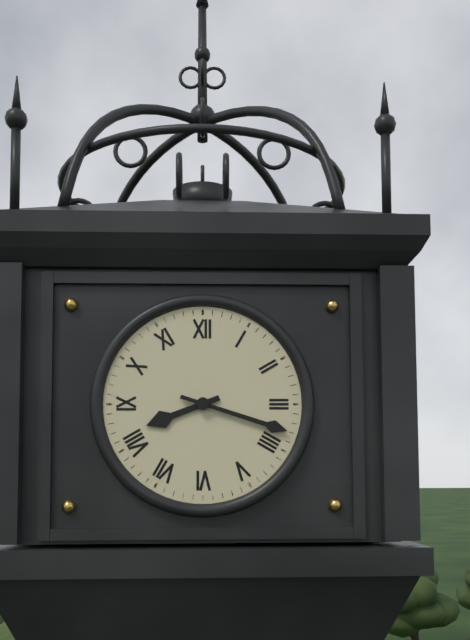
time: 8.18
